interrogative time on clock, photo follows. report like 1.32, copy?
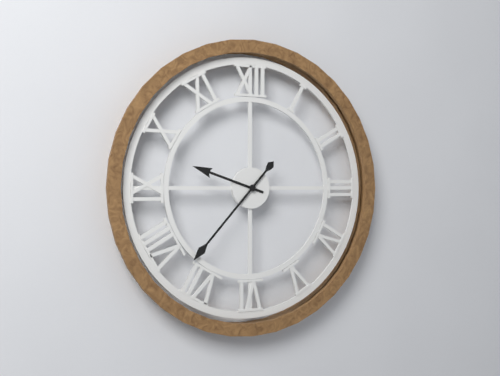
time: 9.37
